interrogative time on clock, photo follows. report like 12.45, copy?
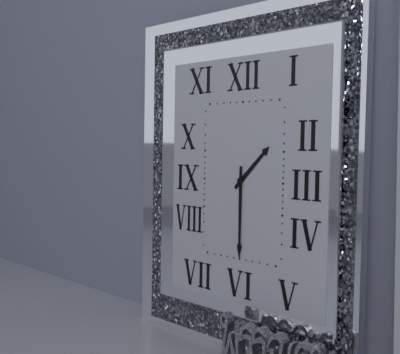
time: 1.30
